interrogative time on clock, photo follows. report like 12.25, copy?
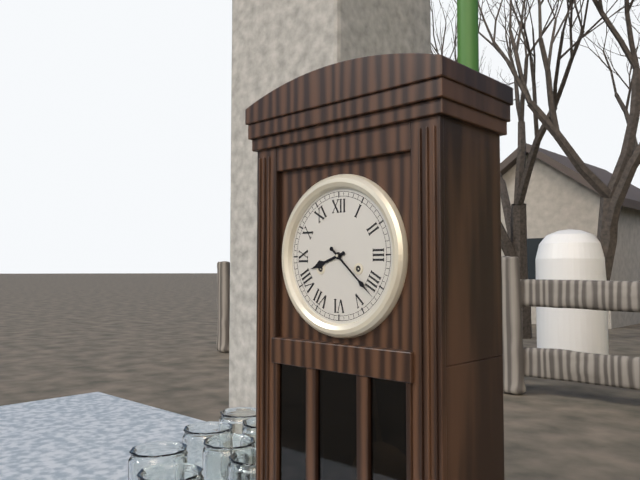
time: 8.22
